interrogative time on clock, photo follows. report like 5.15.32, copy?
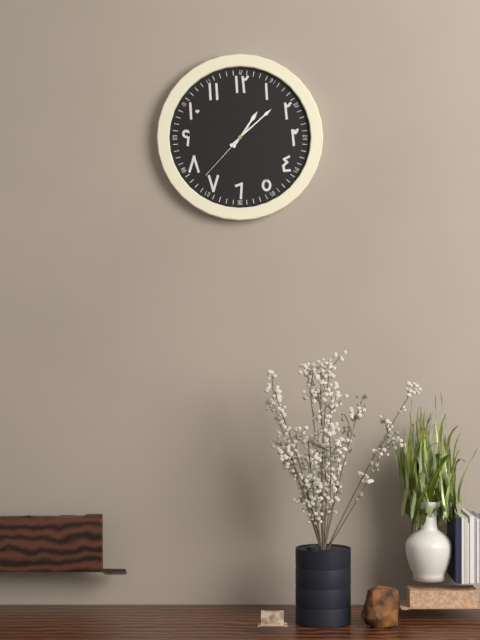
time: 1.08.37
